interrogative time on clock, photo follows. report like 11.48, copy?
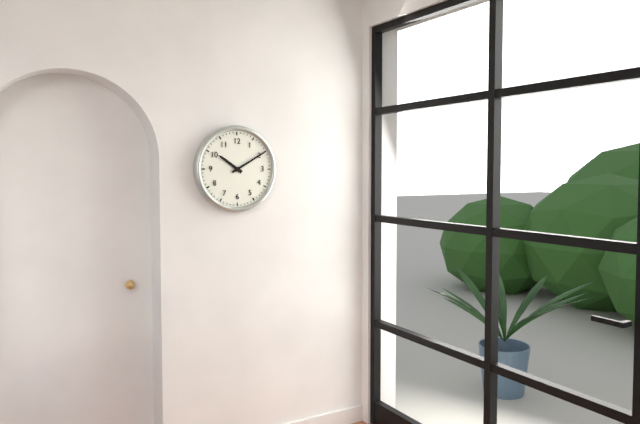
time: 10.10
